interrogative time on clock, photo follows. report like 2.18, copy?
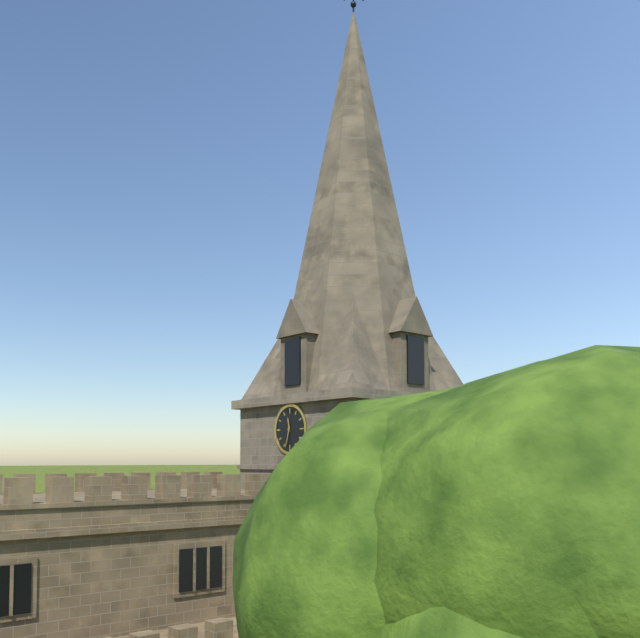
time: 11.33
